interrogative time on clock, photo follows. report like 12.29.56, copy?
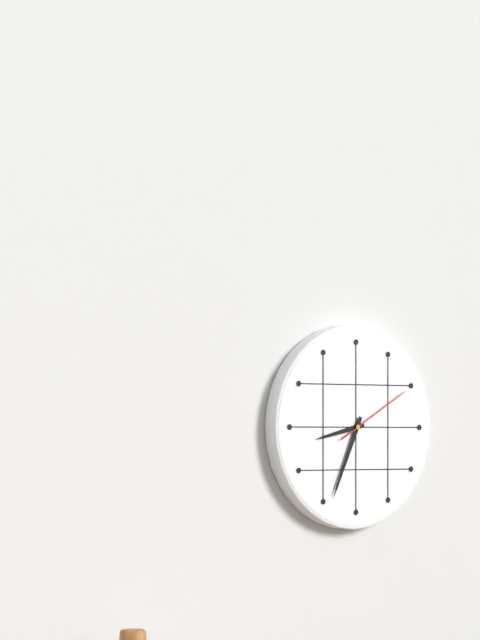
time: 8.34.10
